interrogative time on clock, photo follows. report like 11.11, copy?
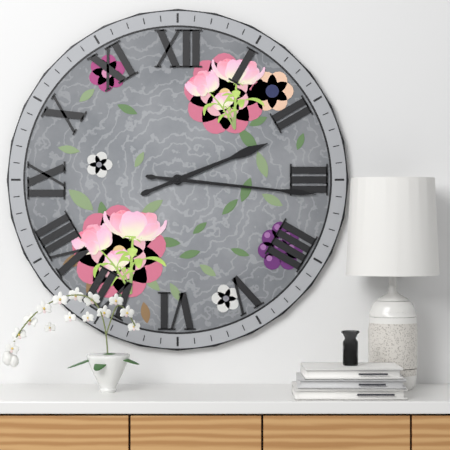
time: 2.16
